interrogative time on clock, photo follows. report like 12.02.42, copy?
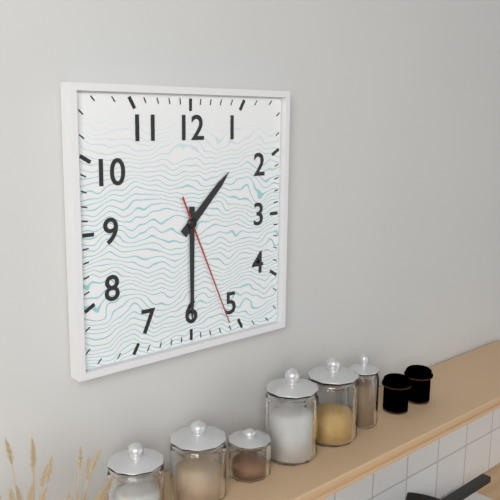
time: 1.30.26
